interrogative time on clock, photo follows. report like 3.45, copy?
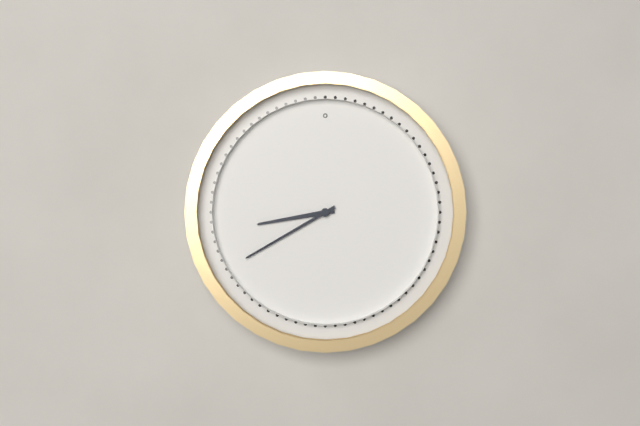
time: 8.40
